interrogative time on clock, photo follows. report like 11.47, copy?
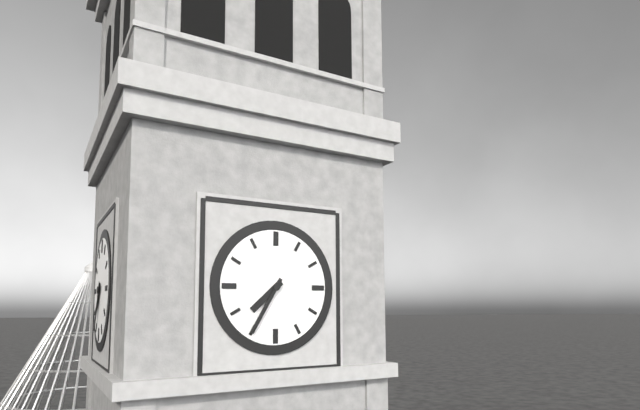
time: 7.35
